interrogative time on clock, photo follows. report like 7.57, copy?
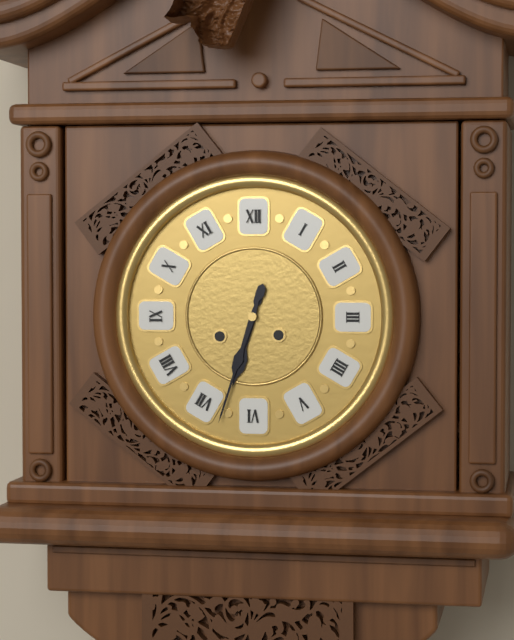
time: 6.33
